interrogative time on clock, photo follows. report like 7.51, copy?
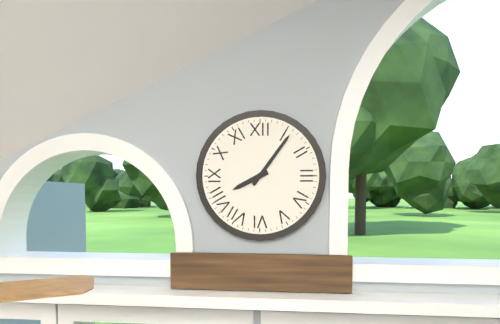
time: 8.06
